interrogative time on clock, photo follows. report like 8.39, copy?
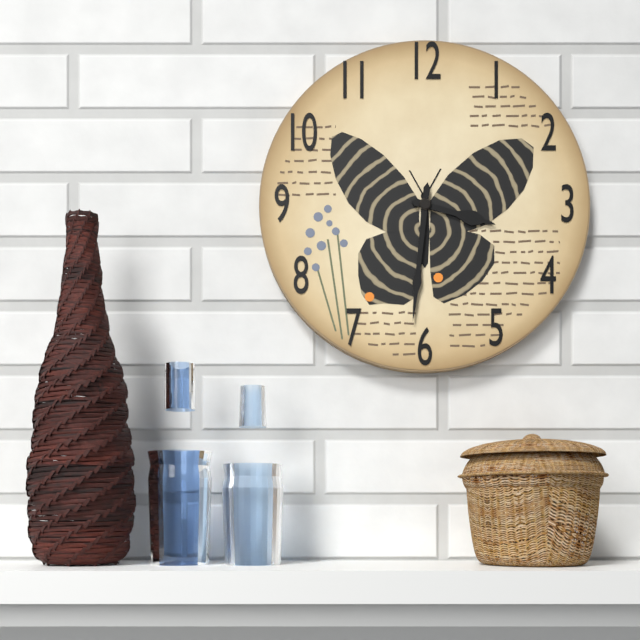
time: 3.31
